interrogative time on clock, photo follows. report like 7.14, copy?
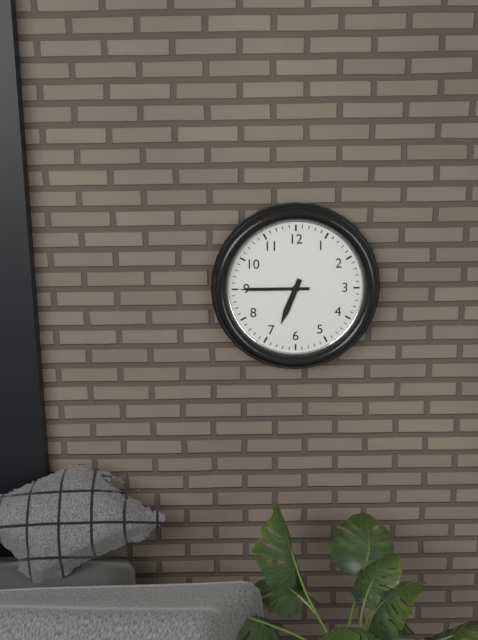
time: 6.45
